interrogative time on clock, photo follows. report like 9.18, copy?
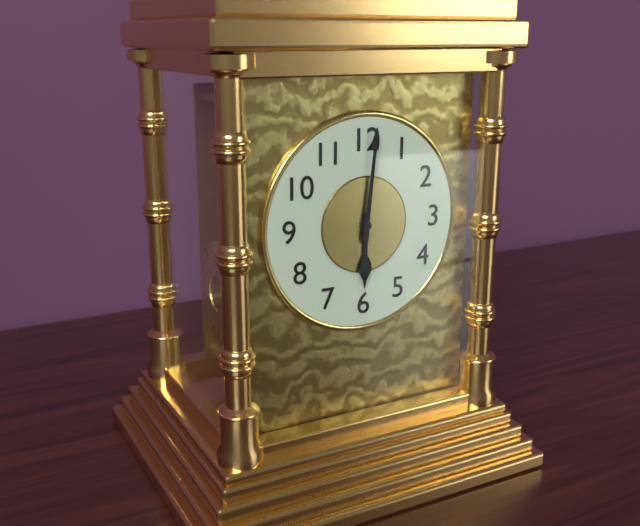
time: 6.01
